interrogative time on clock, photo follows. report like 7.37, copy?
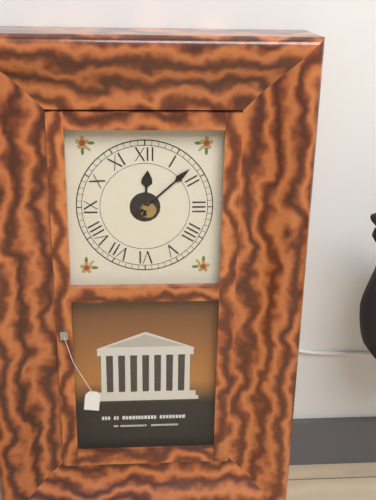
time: 12.08
